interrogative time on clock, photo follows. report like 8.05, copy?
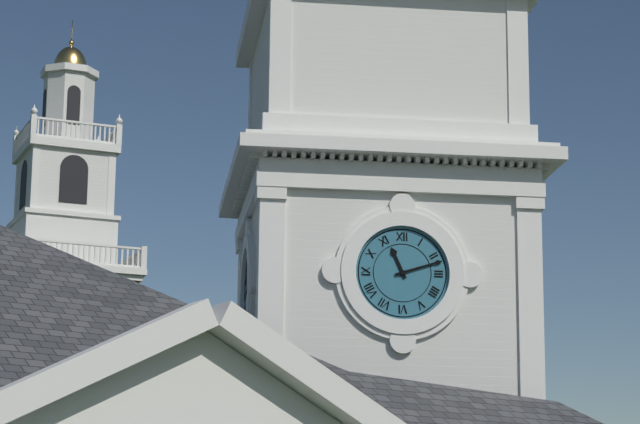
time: 11.12
